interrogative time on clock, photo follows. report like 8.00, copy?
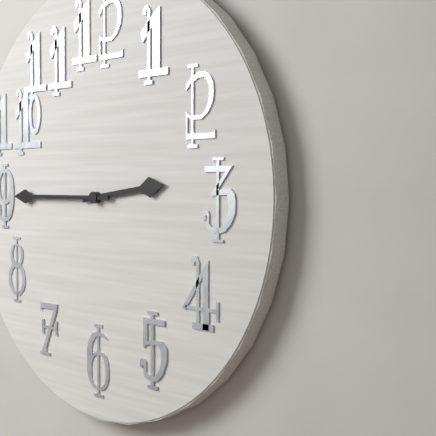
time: 2.45
